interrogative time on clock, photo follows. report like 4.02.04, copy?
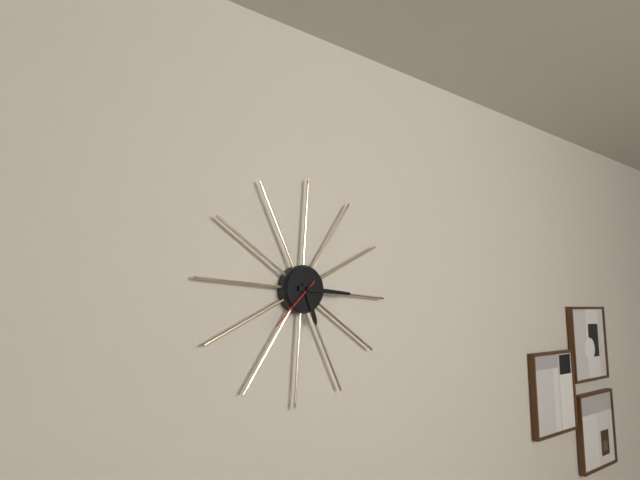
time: 5.15.37
